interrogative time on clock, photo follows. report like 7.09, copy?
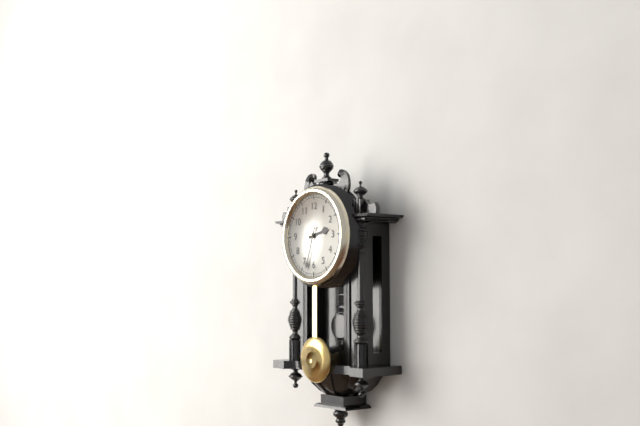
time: 2.33
